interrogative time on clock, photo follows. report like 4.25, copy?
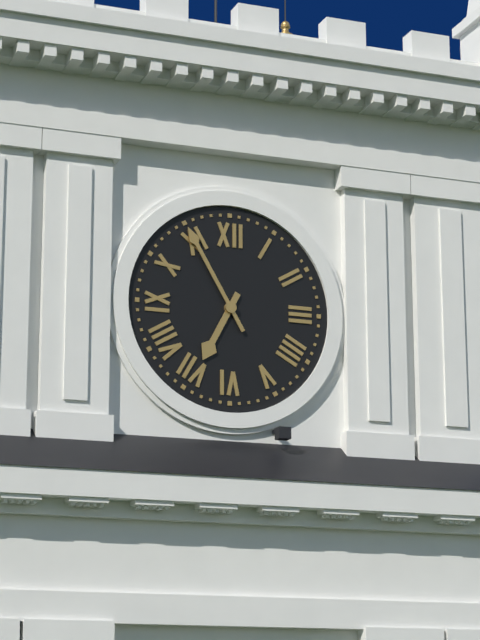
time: 6.55
